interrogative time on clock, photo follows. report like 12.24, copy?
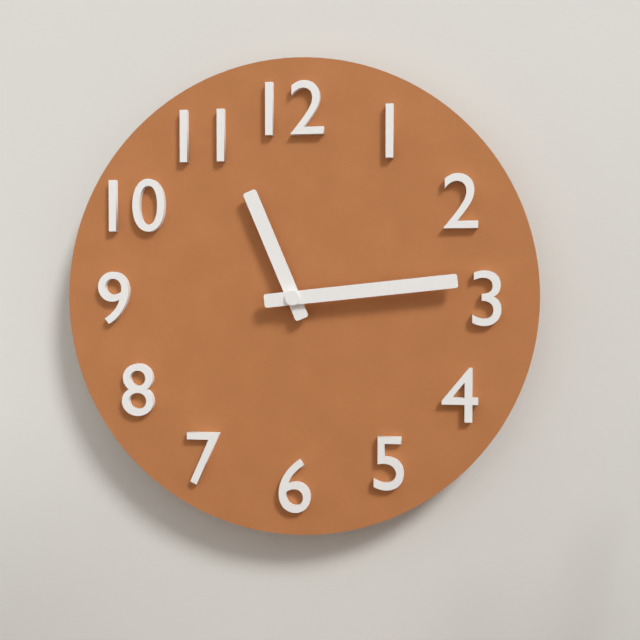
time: 11.14
